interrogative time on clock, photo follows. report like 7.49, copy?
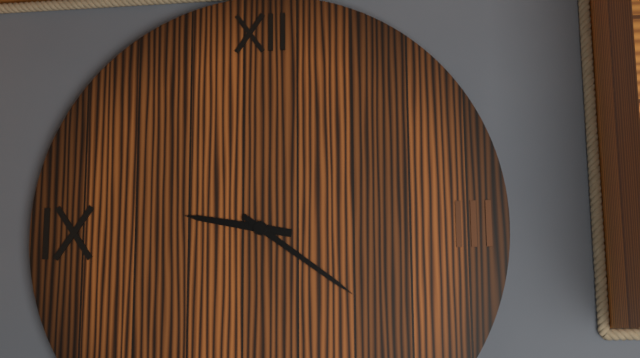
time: 9.21
